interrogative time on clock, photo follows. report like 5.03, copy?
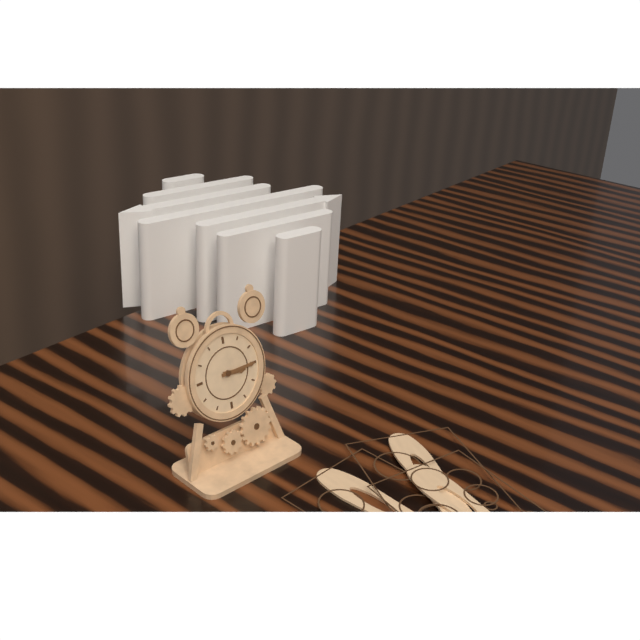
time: 3.15
